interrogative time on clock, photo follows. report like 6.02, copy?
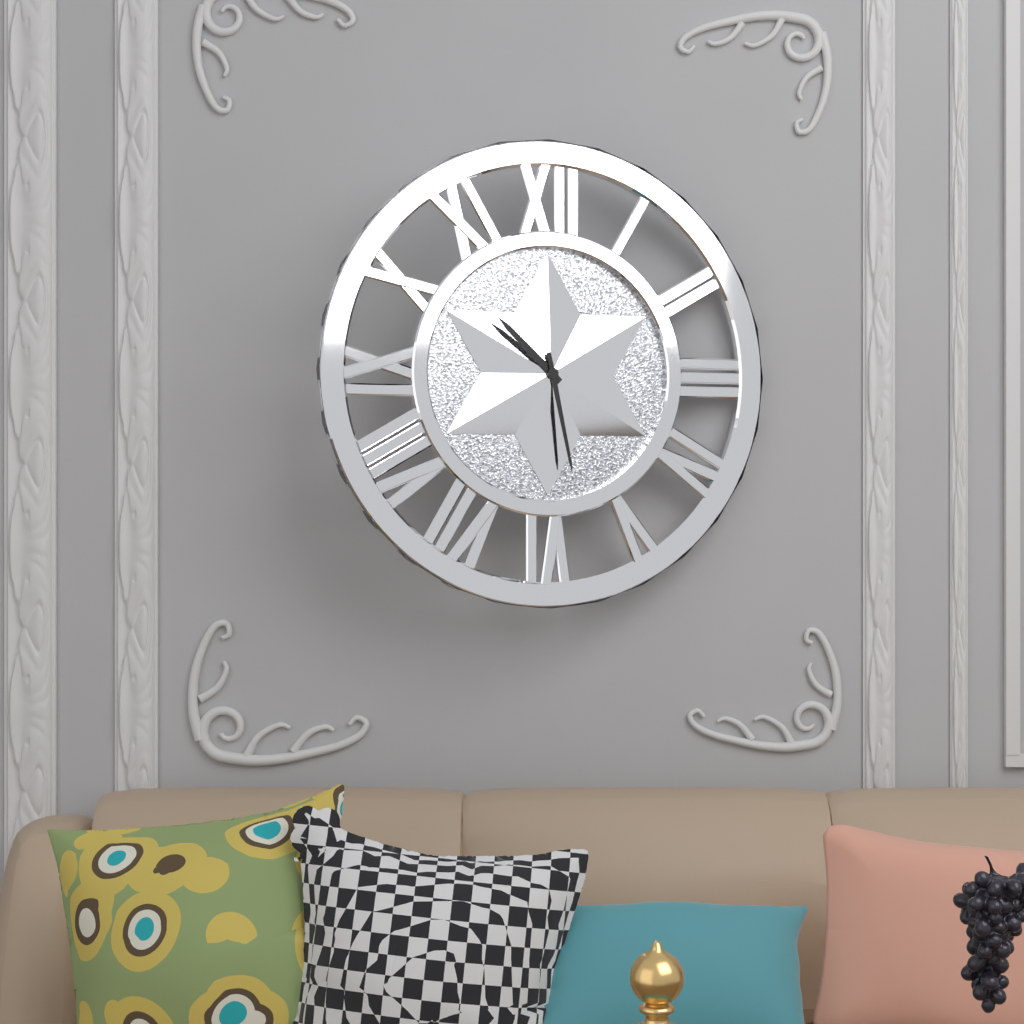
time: 10.28
